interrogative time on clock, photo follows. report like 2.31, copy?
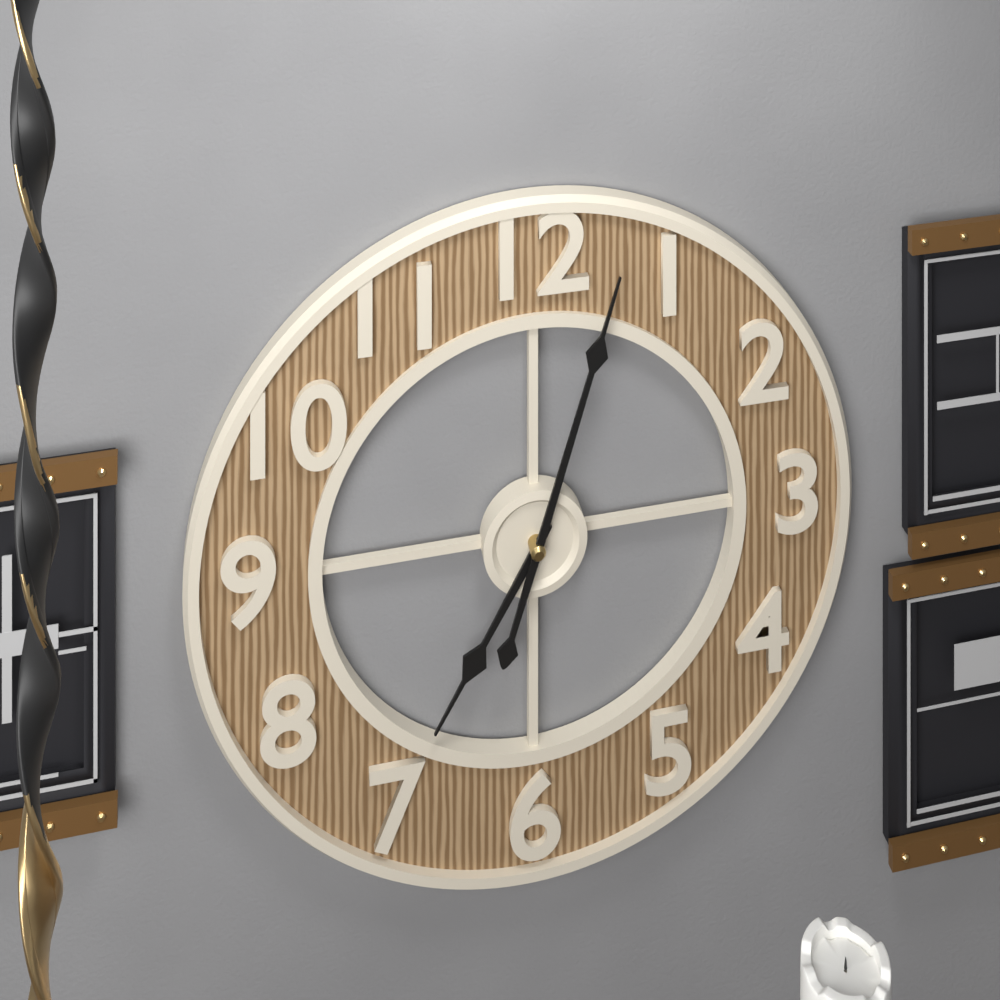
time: 7.03
